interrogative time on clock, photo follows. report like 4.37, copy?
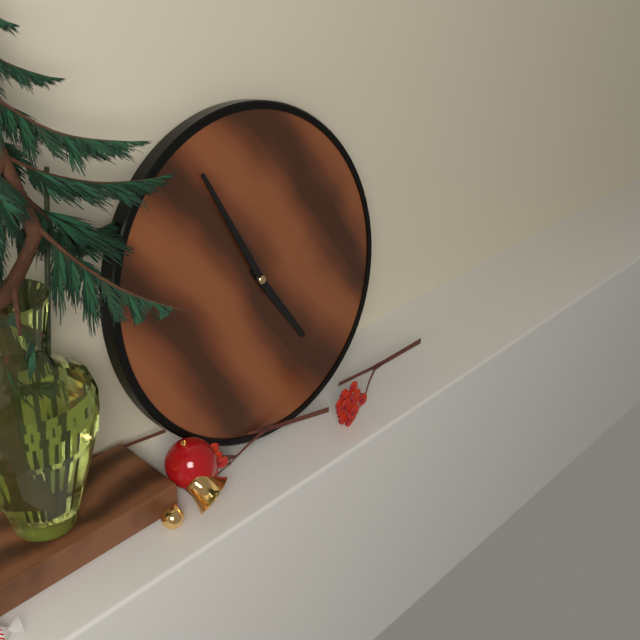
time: 4.56
